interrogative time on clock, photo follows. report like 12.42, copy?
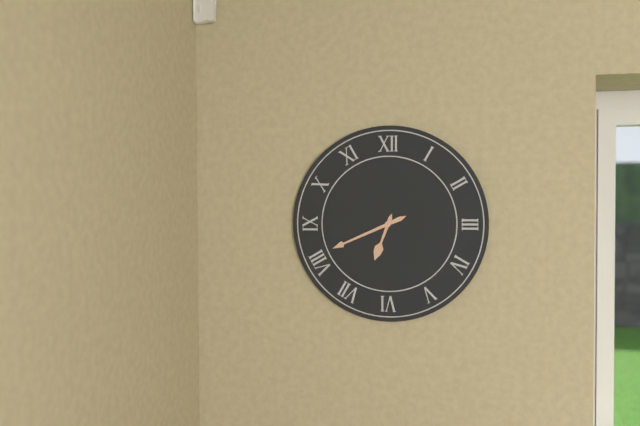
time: 6.41
